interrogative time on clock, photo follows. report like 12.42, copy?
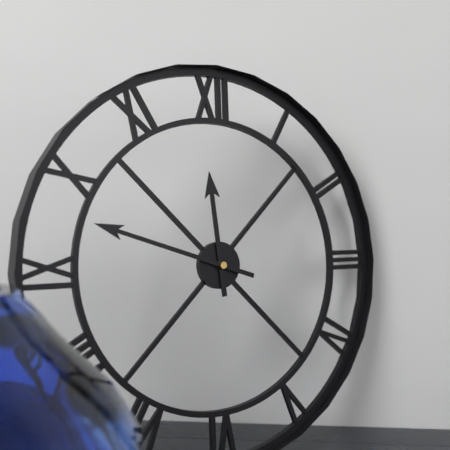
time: 11.48
